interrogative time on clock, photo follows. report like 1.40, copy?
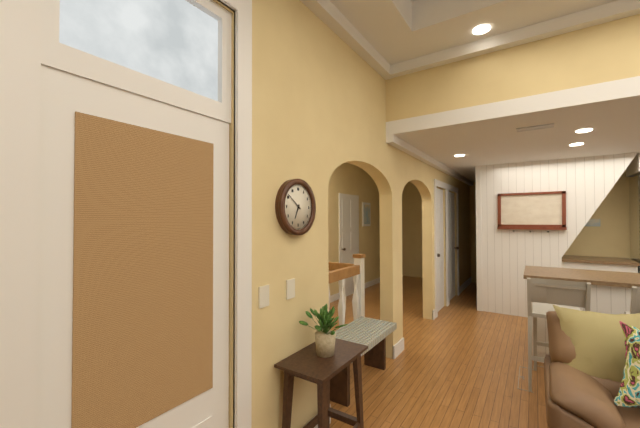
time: 6.51
